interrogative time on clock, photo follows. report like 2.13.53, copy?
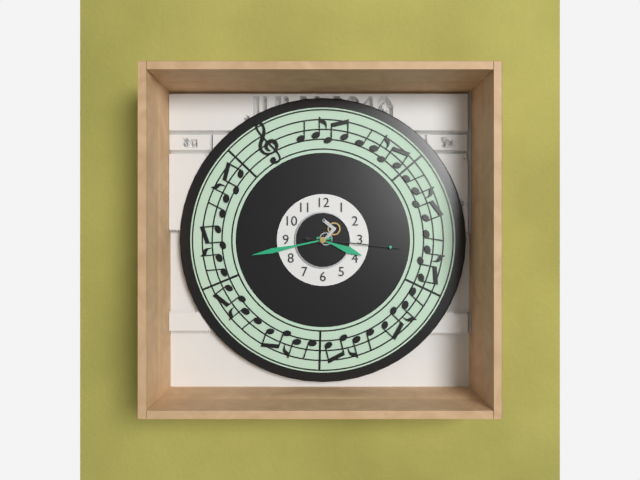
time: 3.43.16
